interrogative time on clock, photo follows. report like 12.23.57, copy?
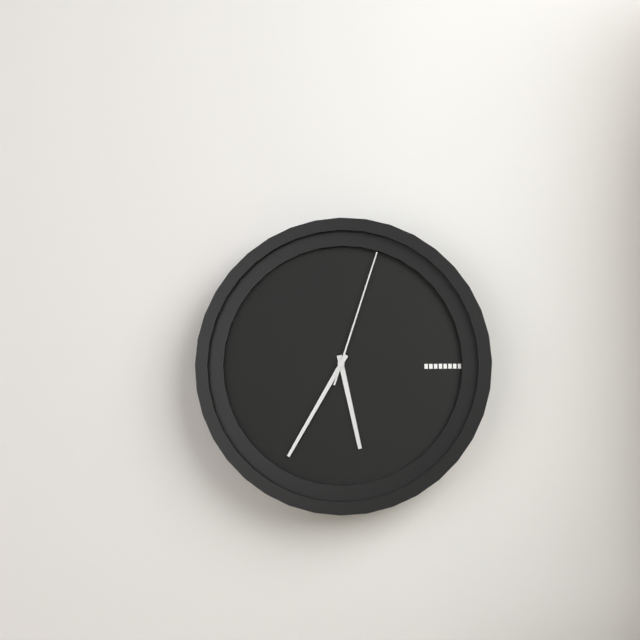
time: 5.35.03
